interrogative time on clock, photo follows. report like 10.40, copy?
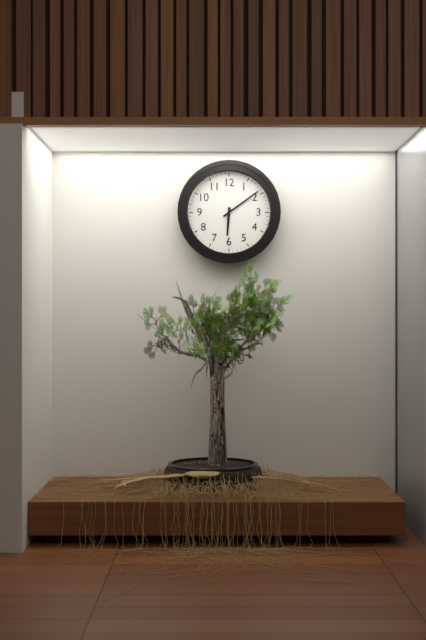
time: 6.09
